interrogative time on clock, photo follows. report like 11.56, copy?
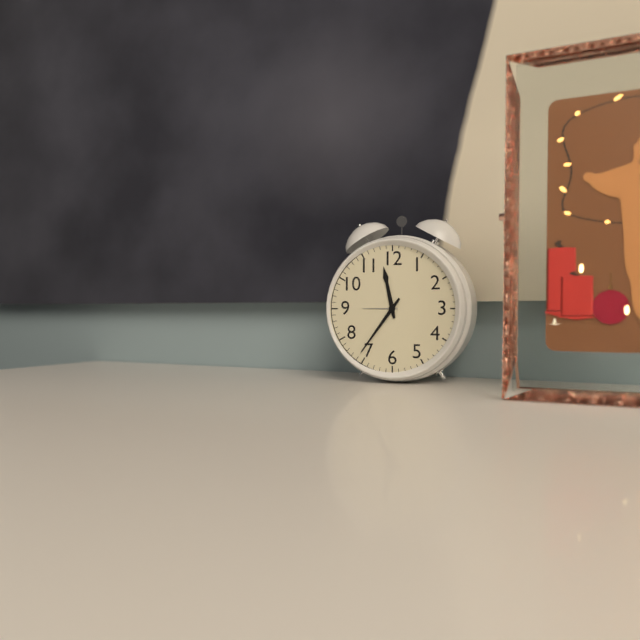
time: 11.36
